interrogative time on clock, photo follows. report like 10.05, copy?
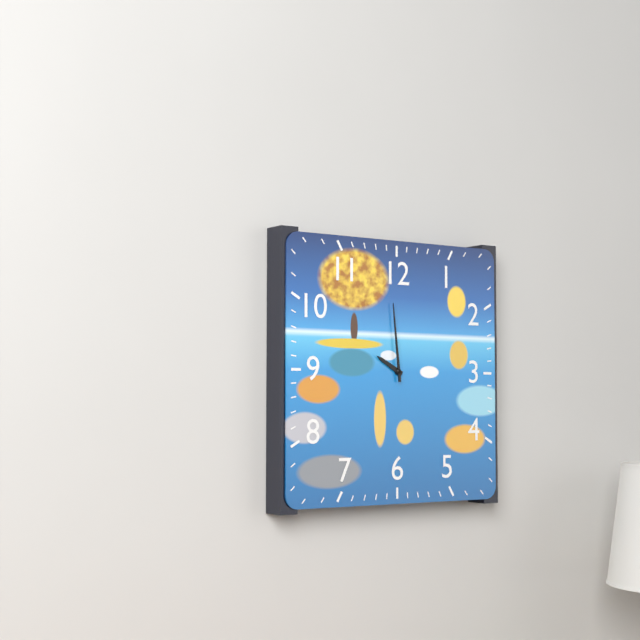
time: 9.59
